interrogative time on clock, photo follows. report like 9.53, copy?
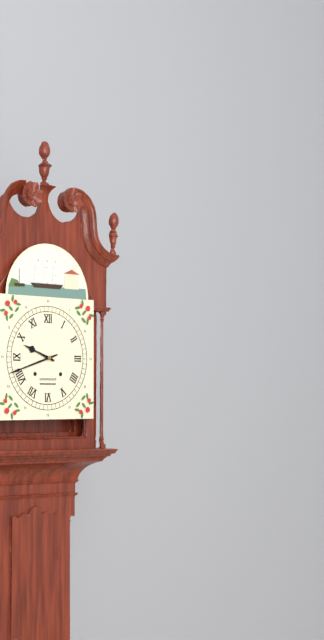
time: 9.42
